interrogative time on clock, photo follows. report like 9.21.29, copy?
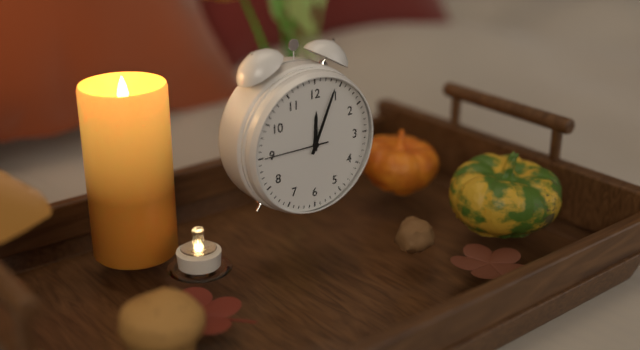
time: 12.04.45
